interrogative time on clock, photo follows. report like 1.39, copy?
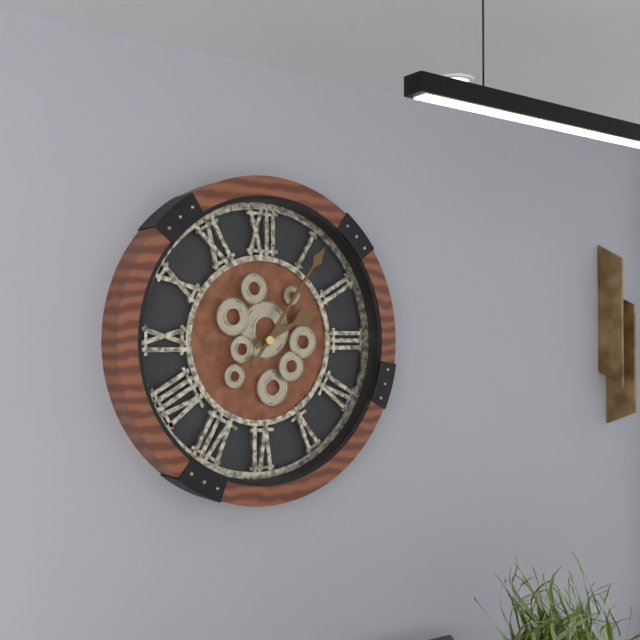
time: 2.06
